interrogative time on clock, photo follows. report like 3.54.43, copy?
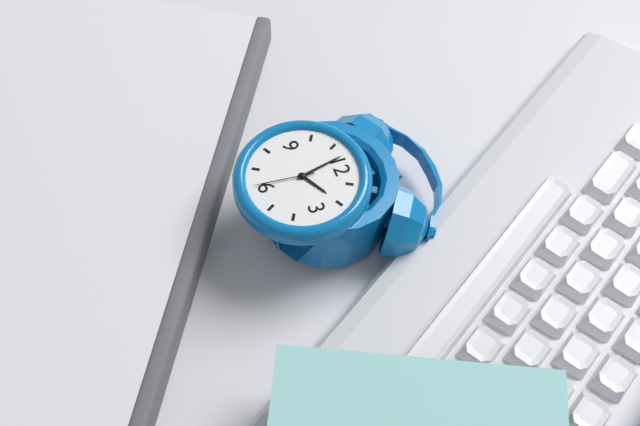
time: 1.58.31
